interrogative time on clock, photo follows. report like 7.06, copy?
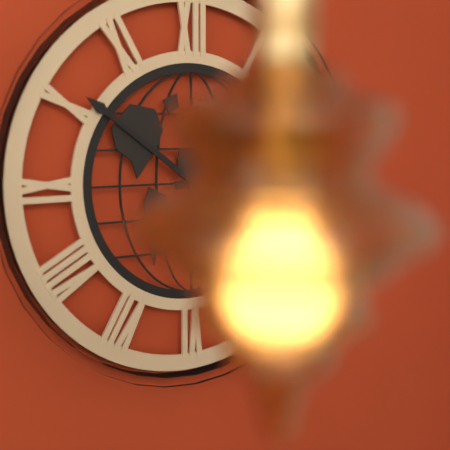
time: 2.51
